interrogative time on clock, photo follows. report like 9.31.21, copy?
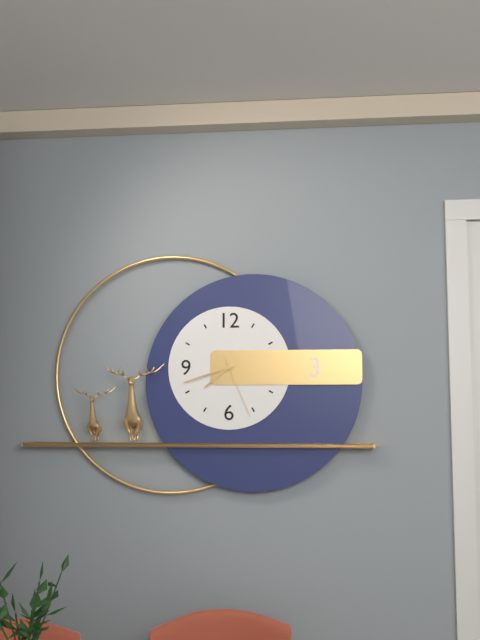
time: 7.42.26
